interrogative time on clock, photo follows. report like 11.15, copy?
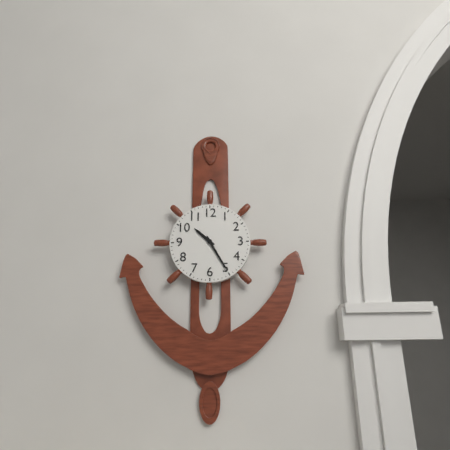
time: 10.25
